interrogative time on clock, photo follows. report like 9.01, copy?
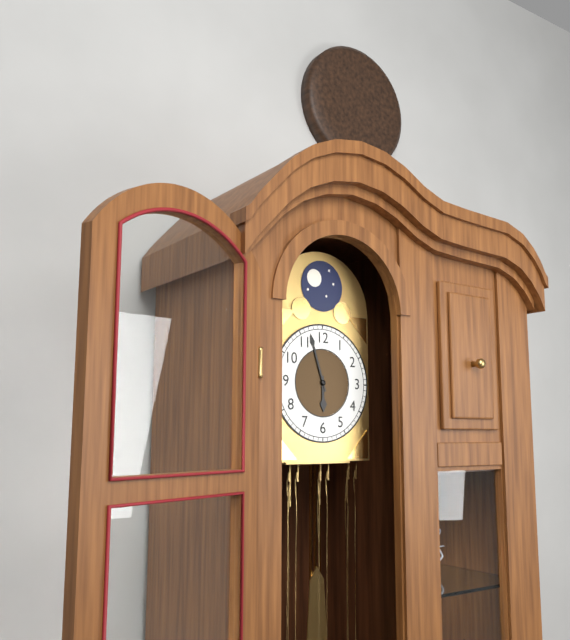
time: 5.57
